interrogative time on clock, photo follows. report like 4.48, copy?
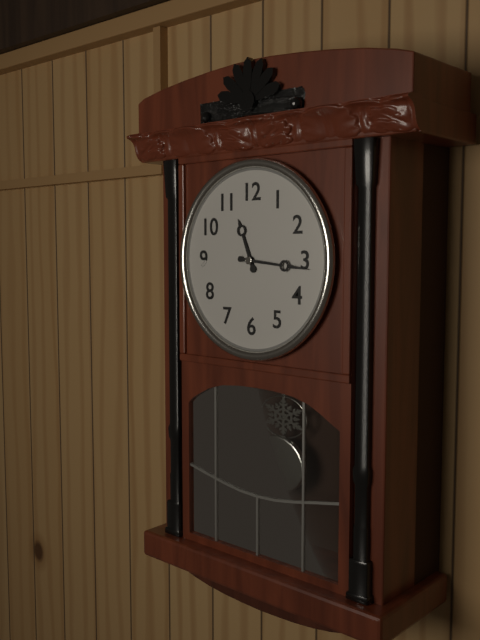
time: 11.16
